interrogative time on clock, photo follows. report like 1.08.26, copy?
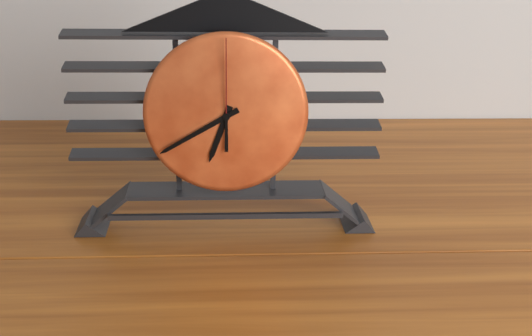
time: 6.40.00
